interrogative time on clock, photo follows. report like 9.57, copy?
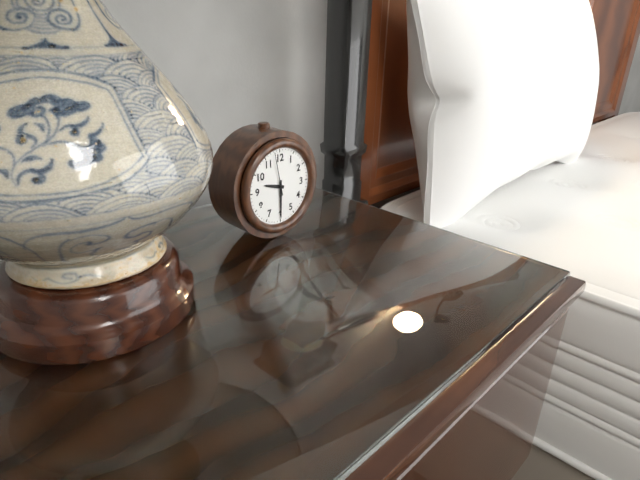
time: 9.30
